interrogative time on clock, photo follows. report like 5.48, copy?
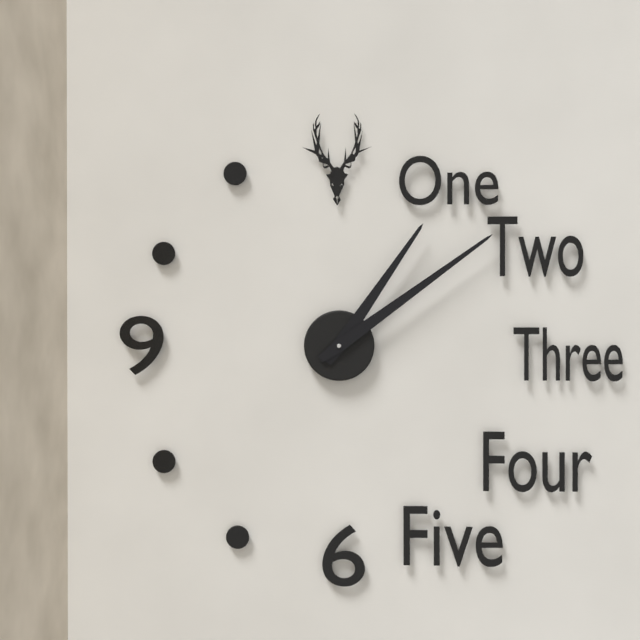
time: 1.09
